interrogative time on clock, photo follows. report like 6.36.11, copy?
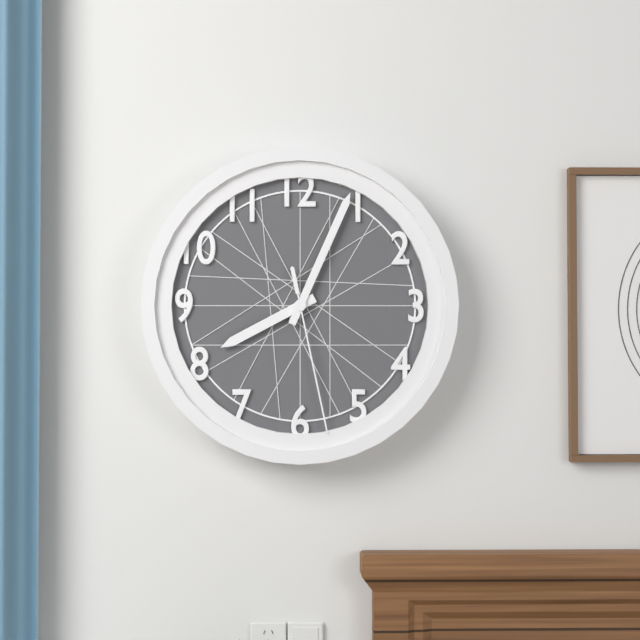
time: 8.04.28
